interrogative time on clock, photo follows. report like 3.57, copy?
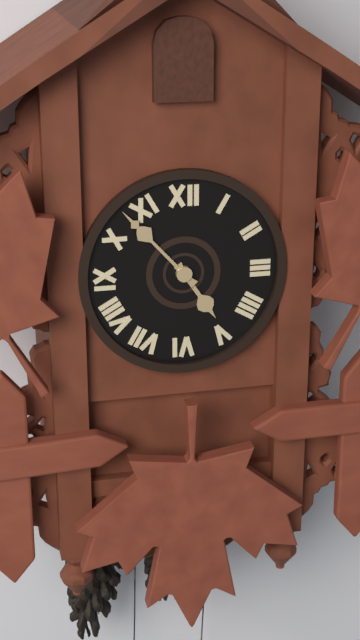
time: 4.53
